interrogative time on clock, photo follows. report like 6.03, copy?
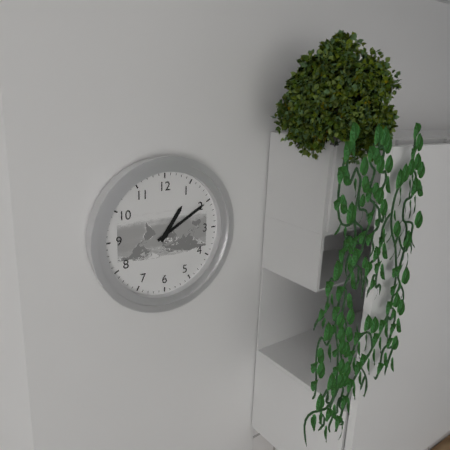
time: 1.10
